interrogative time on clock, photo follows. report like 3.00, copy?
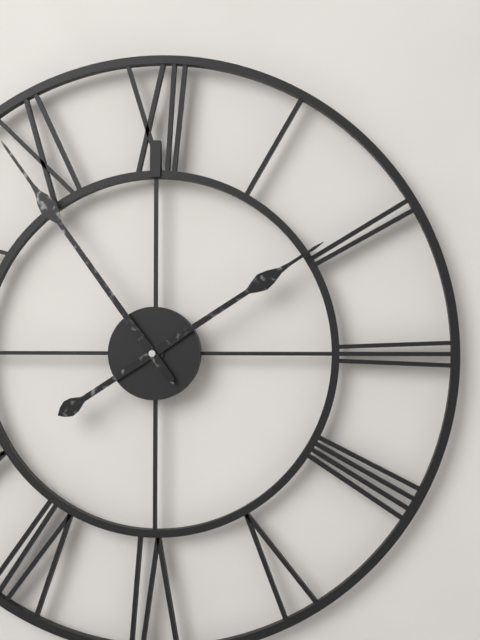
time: 1.54
